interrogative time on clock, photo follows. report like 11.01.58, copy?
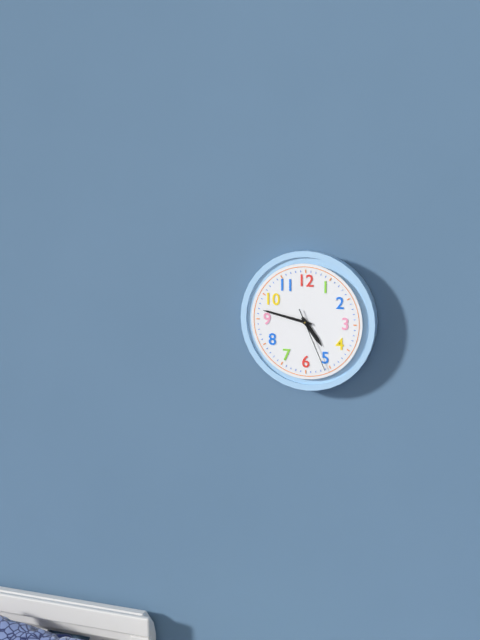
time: 4.47.26
